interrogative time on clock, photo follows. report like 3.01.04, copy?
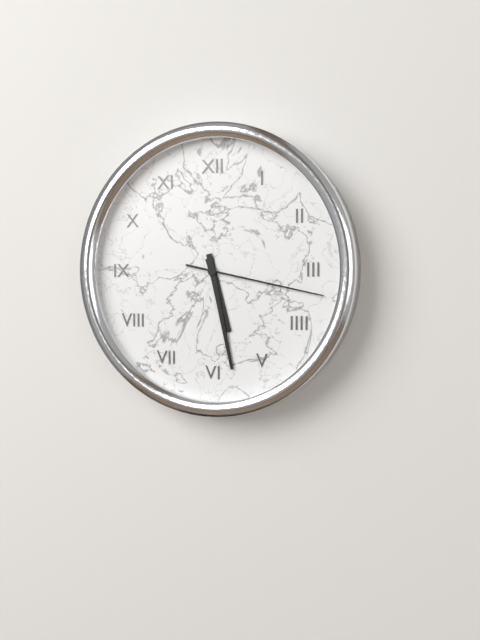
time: 5.28.17
